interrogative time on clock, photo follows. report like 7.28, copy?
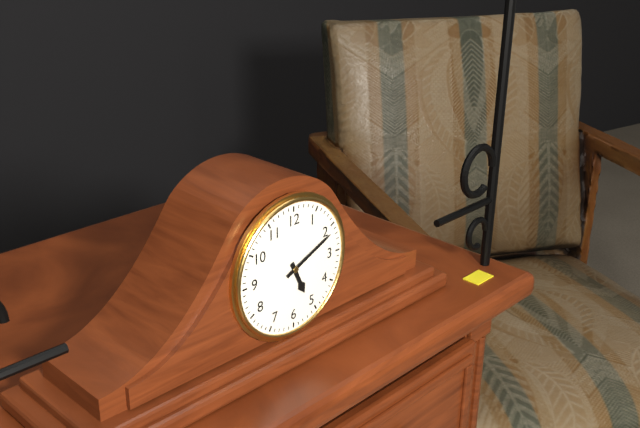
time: 5.11
